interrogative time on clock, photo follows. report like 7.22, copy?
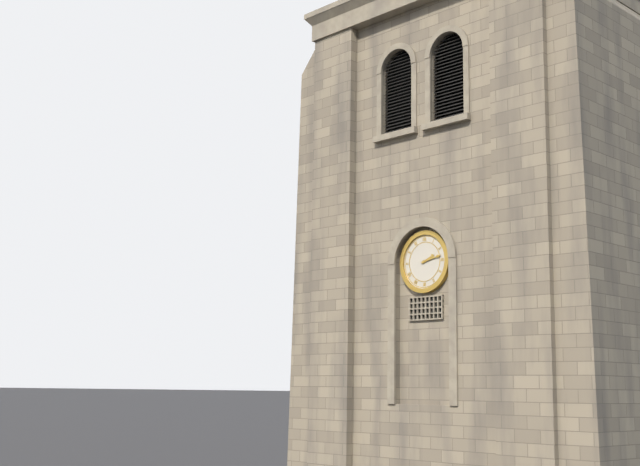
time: 2.13
